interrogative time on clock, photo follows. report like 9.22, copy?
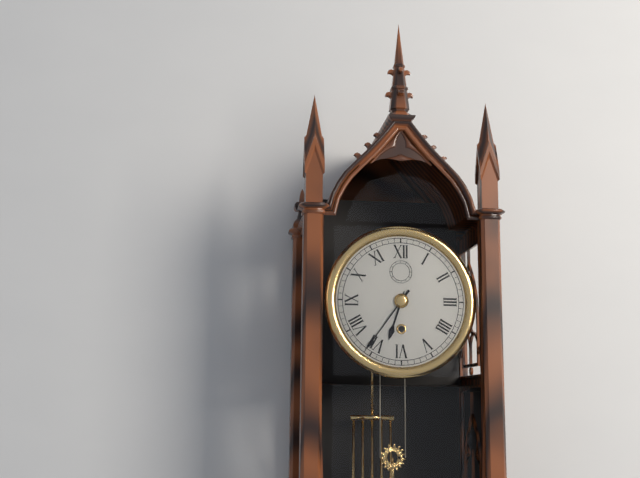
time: 6.36
